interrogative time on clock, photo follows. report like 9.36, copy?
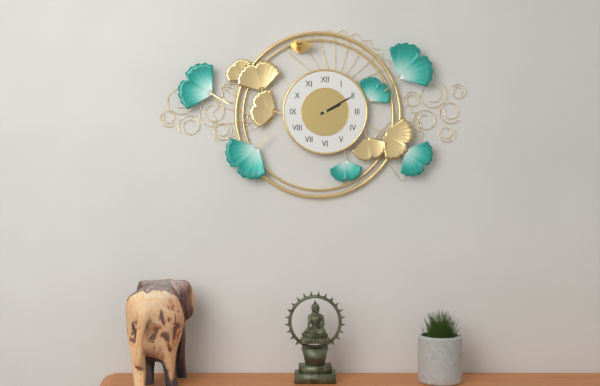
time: 2.10
